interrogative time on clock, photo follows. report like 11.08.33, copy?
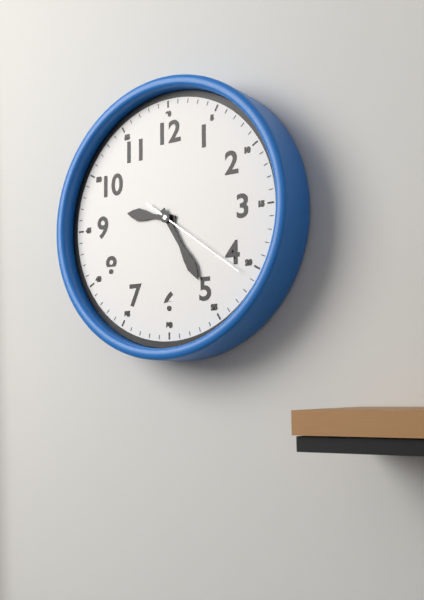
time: 9.25.21
